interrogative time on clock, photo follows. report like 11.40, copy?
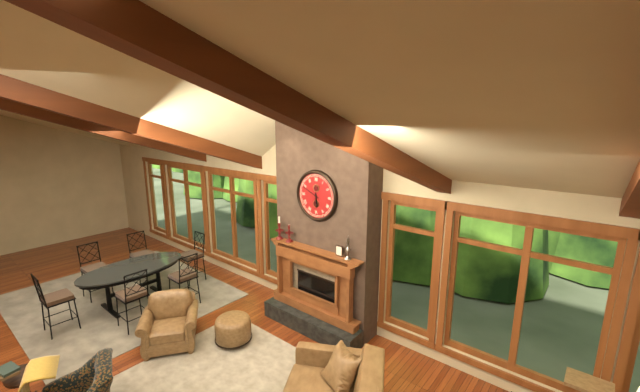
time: 5.49
